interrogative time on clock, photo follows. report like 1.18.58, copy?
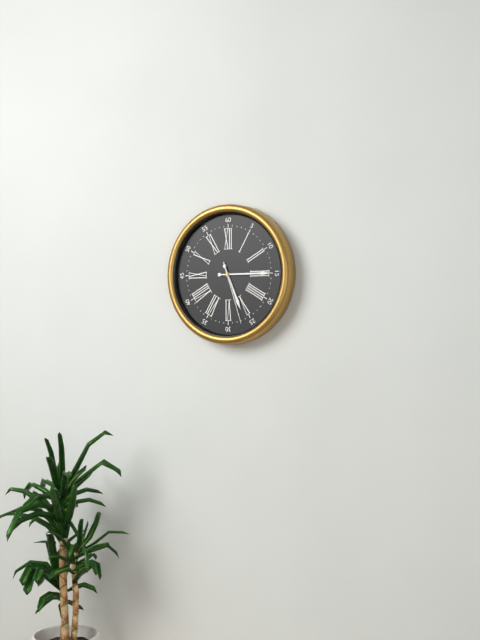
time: 5.15.27
